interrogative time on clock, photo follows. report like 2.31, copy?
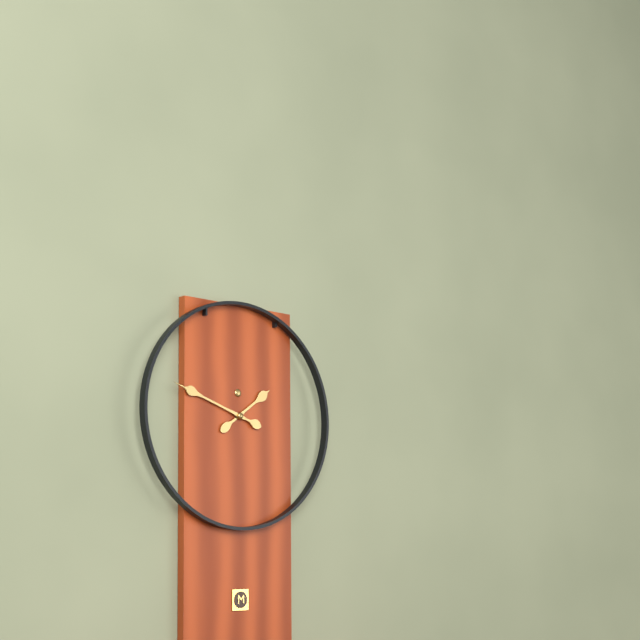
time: 1.48
